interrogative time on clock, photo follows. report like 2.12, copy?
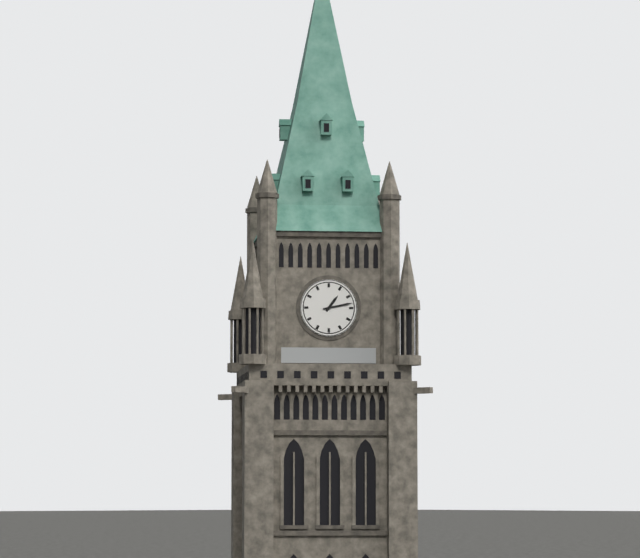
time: 1.13
